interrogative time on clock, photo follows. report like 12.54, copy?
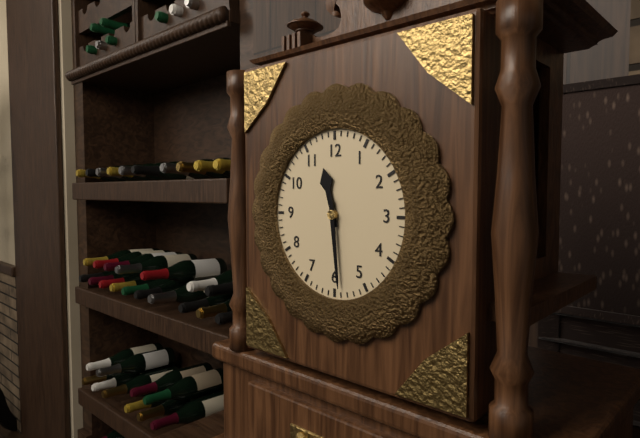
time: 11.29
